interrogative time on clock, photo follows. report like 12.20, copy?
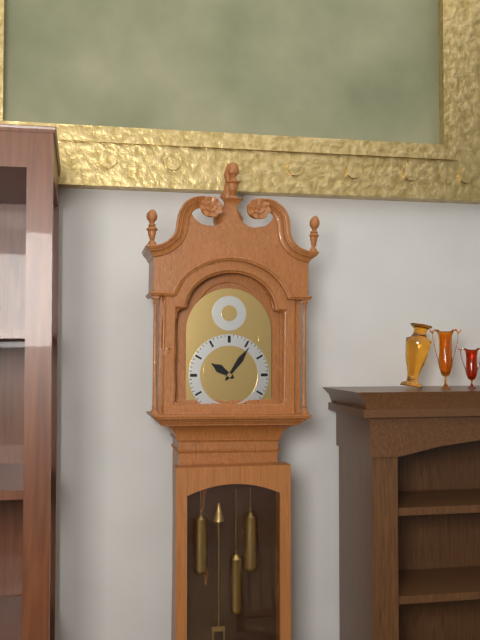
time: 10.06
